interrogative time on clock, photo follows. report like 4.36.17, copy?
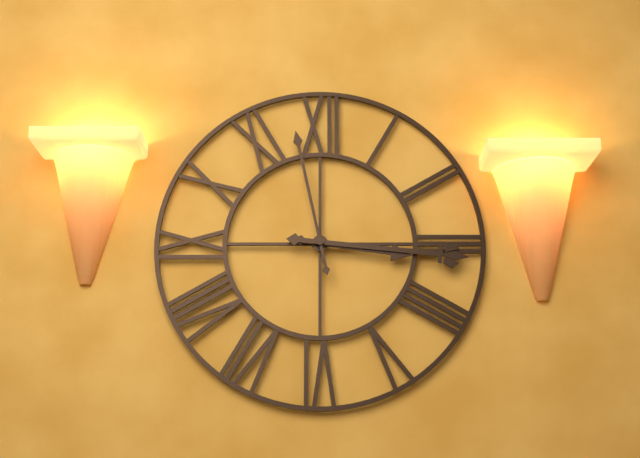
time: 3.16.58
